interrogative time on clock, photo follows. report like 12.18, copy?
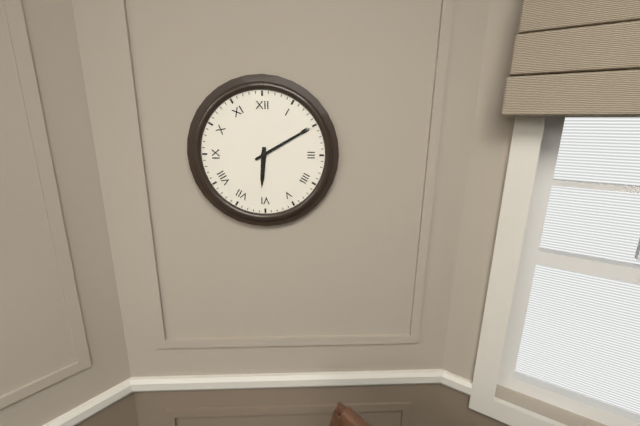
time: 6.10
